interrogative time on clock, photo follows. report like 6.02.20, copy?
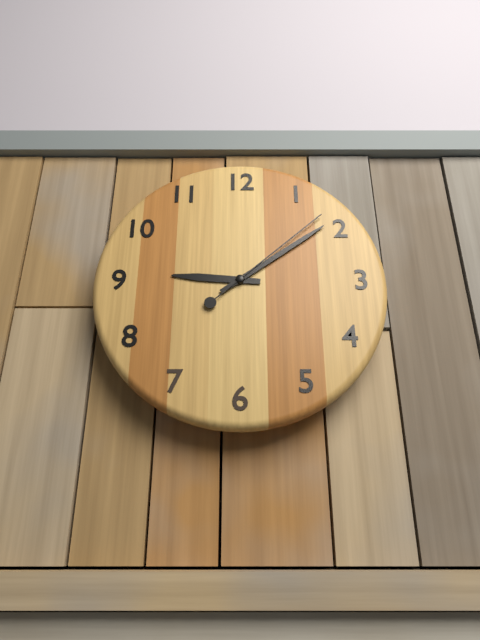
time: 9.09.08
